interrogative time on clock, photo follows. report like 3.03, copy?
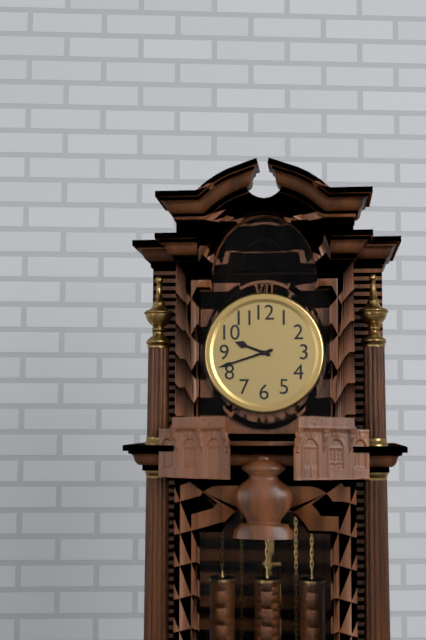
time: 9.42
